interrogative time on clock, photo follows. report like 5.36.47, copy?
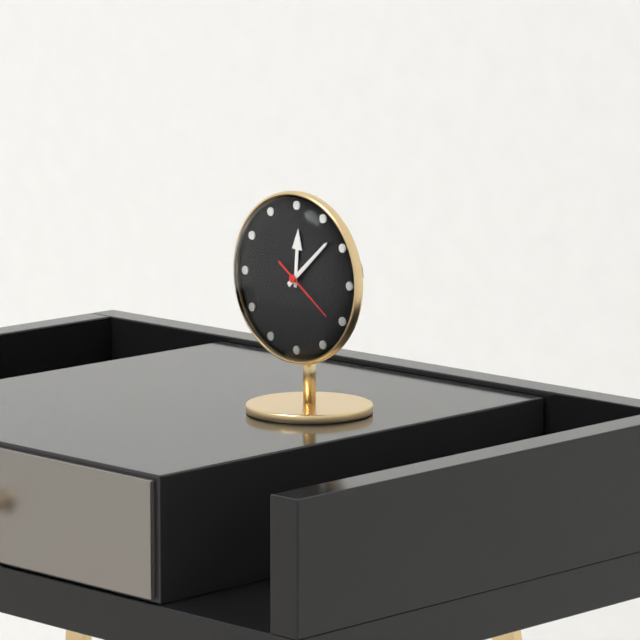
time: 12.08.21
